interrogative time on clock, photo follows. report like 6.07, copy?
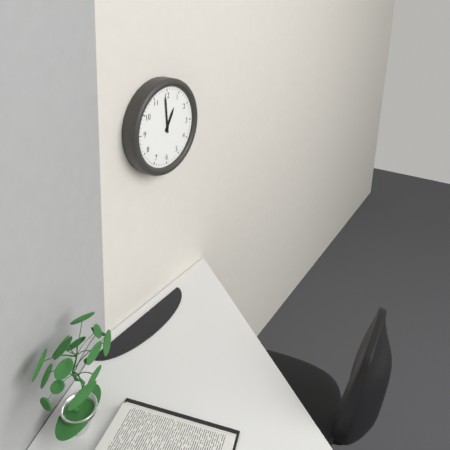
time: 12.59
